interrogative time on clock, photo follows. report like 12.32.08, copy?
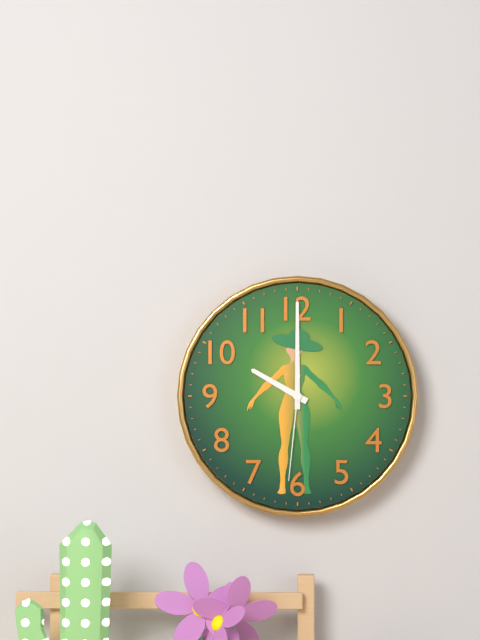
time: 10.00.31
